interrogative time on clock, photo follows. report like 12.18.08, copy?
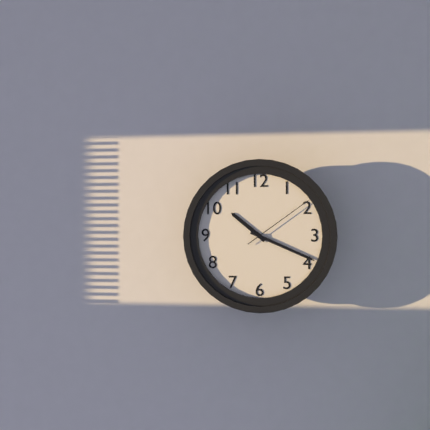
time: 10.19.09
